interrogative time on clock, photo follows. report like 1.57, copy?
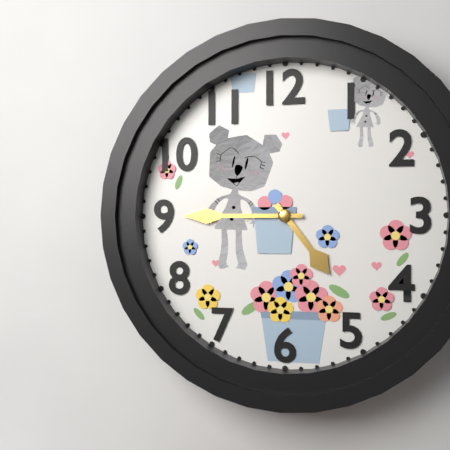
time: 4.45
